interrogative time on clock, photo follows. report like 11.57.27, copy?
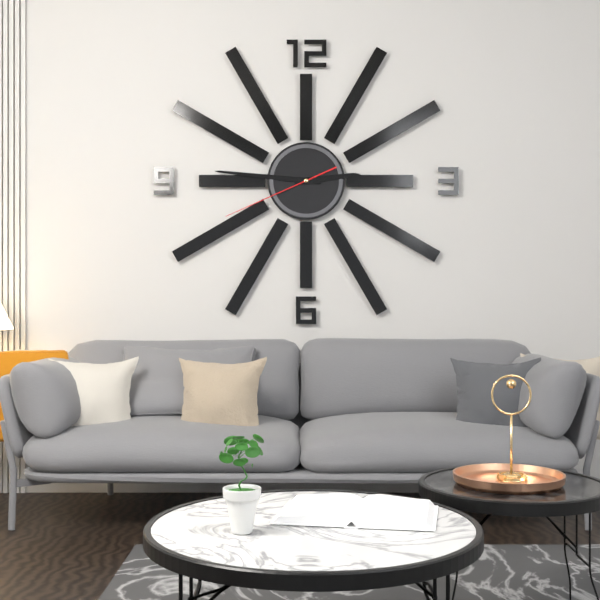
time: 2.46.41
